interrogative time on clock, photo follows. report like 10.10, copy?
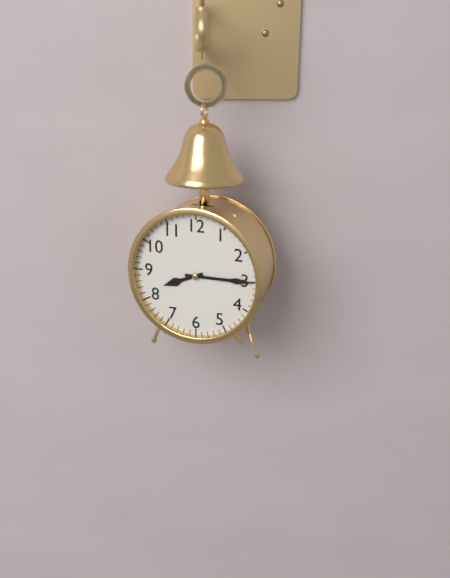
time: 8.15
